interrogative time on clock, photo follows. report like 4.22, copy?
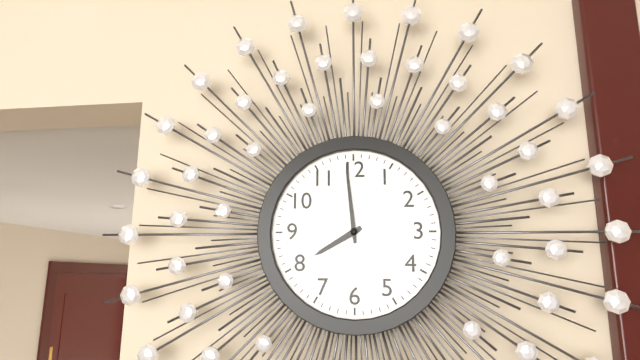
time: 7.59
